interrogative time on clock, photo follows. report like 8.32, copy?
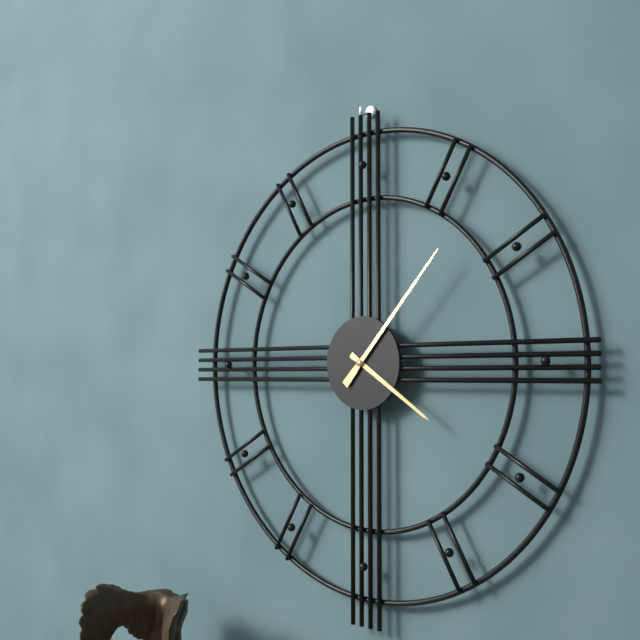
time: 4.07
